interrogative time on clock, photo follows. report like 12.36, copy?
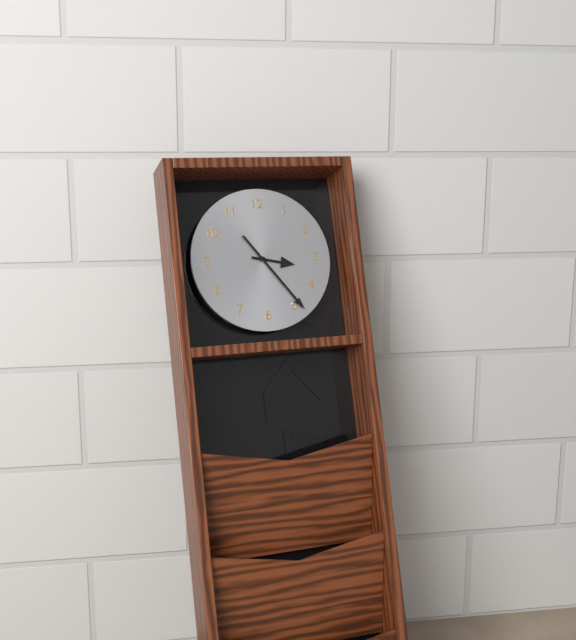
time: 3.24
